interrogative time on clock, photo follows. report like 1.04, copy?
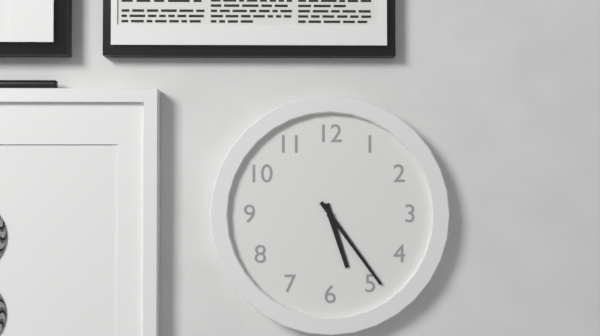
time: 5.24
